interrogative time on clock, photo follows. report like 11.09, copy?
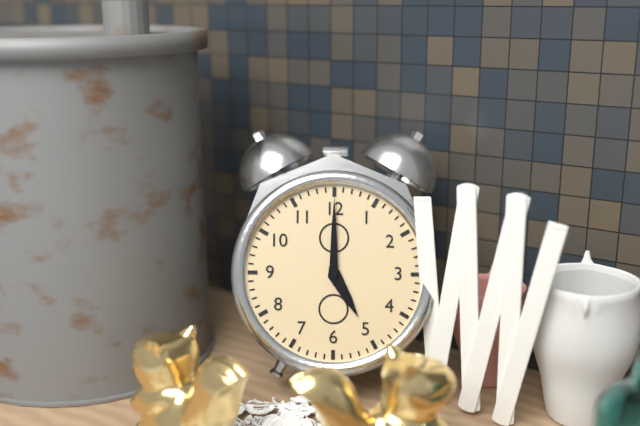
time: 5.00
